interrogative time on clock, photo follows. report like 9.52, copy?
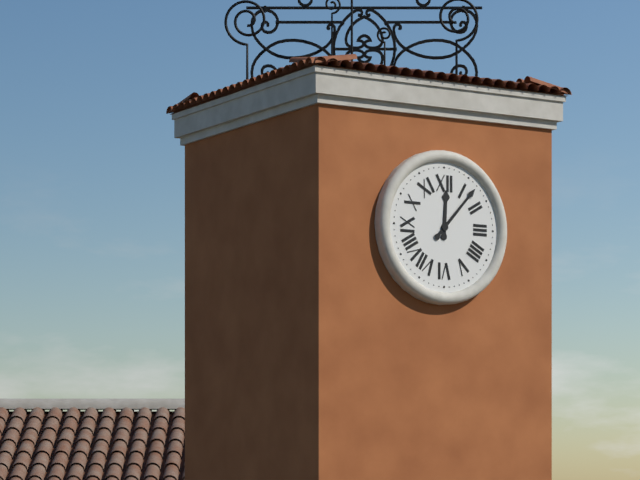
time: 12.07
